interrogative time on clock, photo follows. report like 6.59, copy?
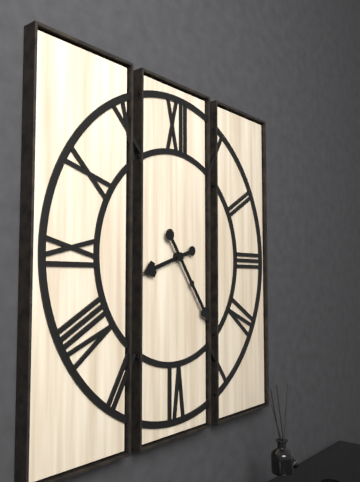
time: 8.24
